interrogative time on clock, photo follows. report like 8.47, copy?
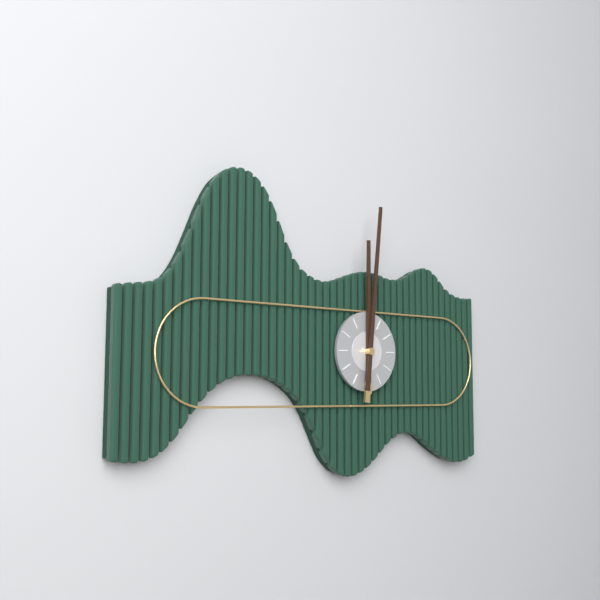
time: 12.01
